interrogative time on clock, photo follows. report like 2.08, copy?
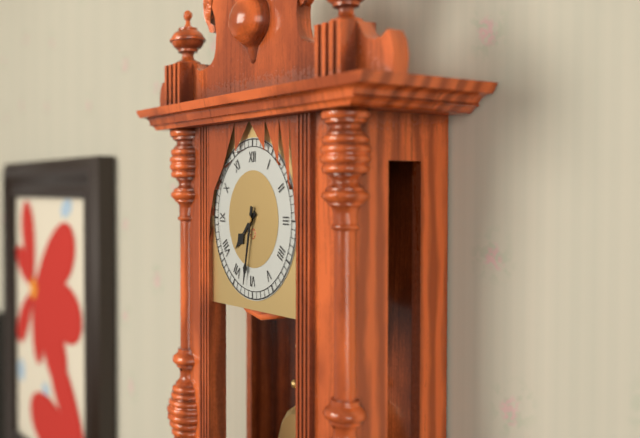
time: 7.32
